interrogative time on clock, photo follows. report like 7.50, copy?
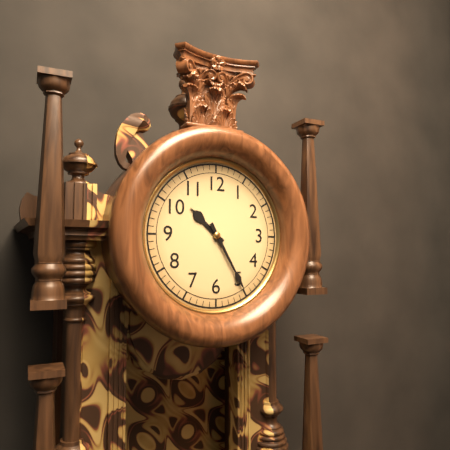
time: 10.25
